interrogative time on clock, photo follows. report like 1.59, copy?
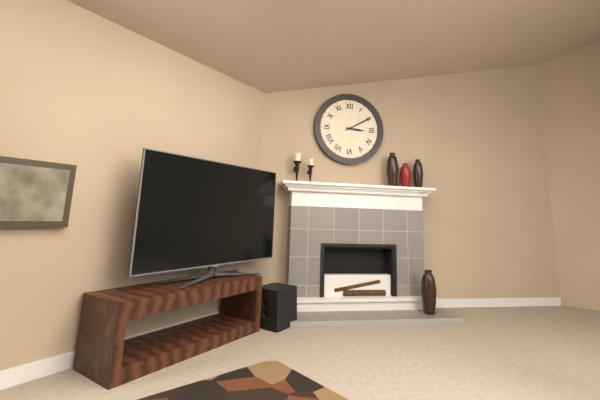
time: 3.10
